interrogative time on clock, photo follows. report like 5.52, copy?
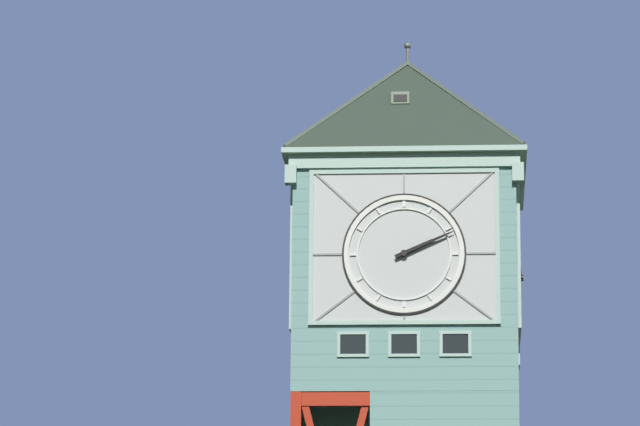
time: 2.11
